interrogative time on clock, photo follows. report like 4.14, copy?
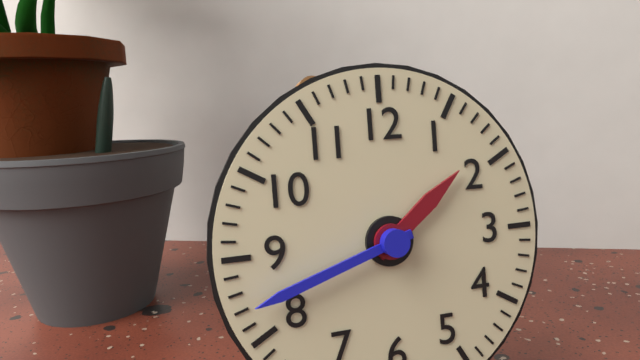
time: 1.42
